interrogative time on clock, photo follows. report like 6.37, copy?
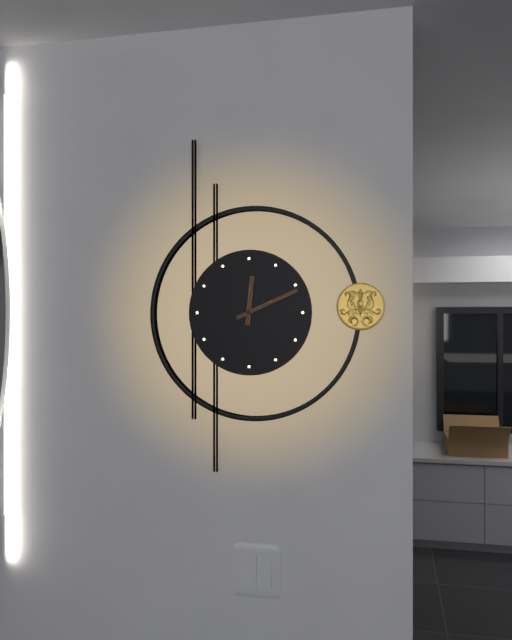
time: 12.11
